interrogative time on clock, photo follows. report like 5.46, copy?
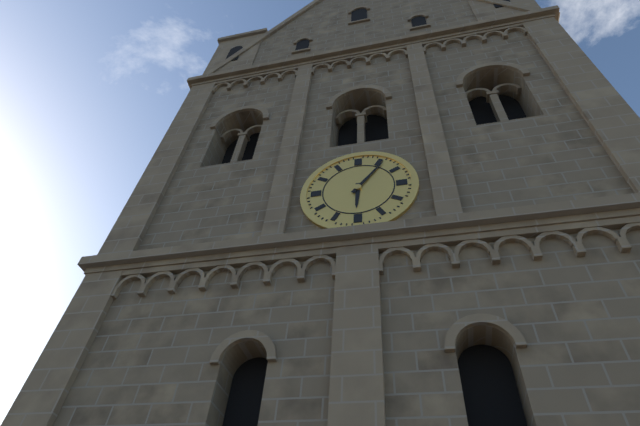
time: 6.06
